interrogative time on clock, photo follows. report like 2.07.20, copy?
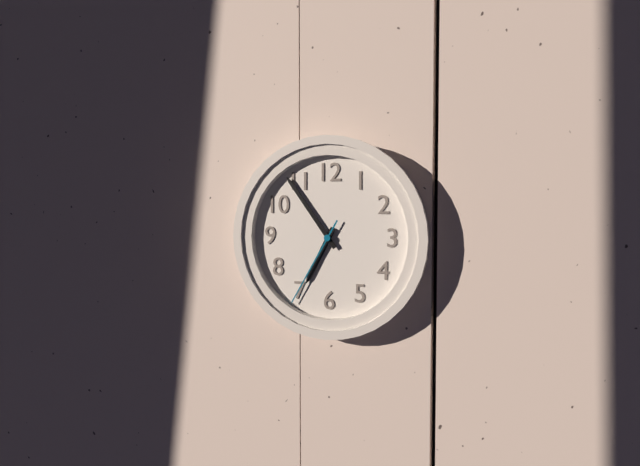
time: 6.54.35
